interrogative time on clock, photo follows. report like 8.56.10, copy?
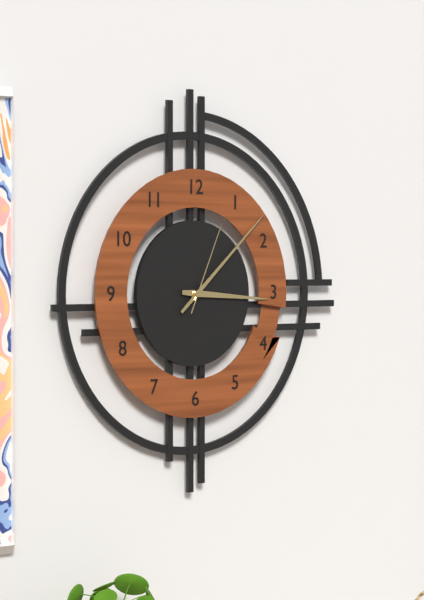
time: 3.08.04
